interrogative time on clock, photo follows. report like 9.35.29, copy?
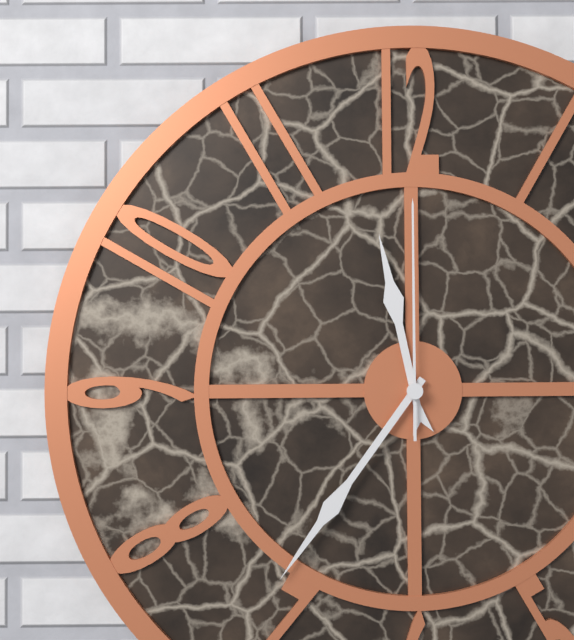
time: 11.36.00
